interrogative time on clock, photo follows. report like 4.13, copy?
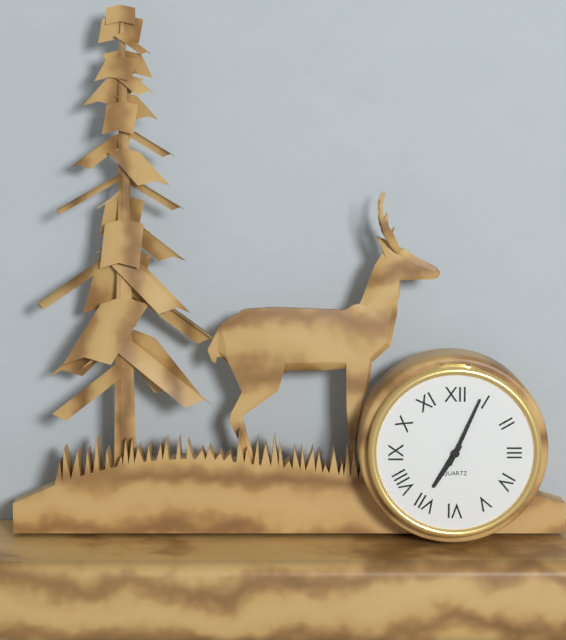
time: 7.04
